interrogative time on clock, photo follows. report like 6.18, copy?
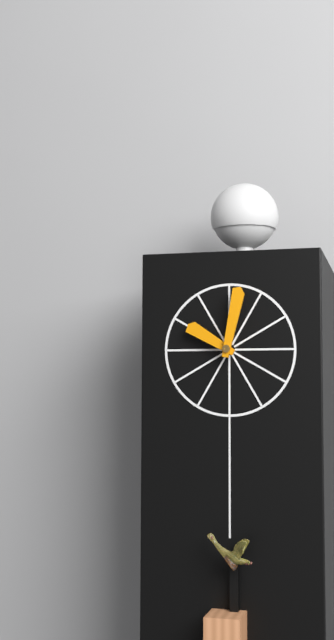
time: 10.02
